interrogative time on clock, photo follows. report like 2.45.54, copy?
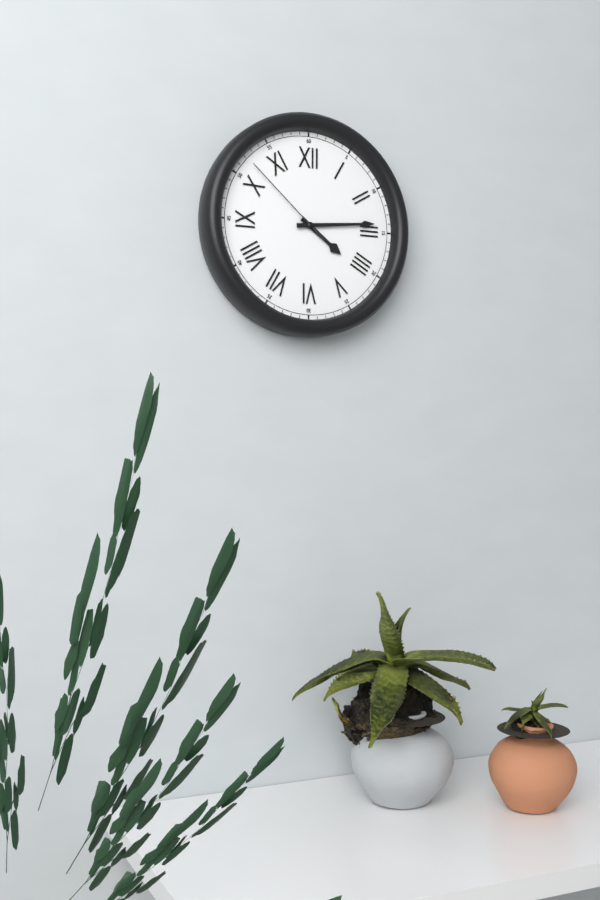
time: 4.14.52
